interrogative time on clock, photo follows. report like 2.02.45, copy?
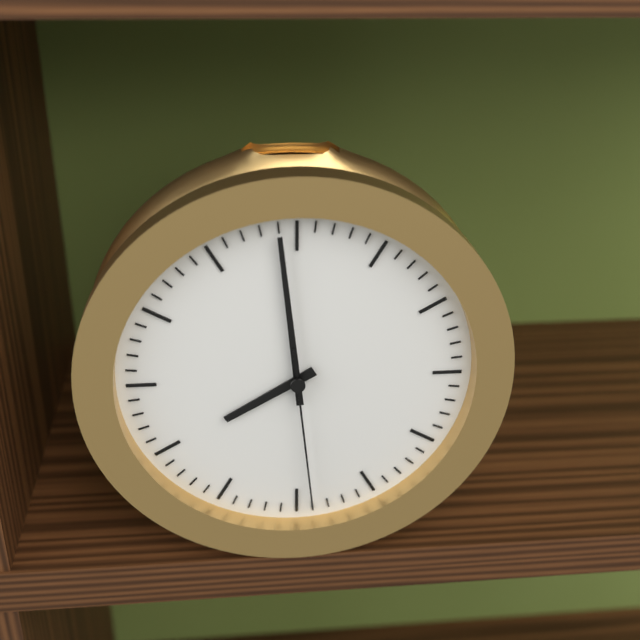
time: 7.59.29
